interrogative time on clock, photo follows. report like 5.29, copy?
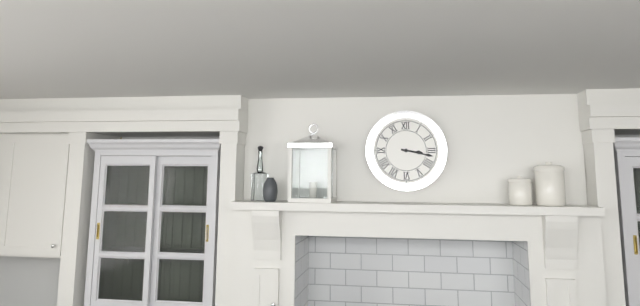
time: 3.17
